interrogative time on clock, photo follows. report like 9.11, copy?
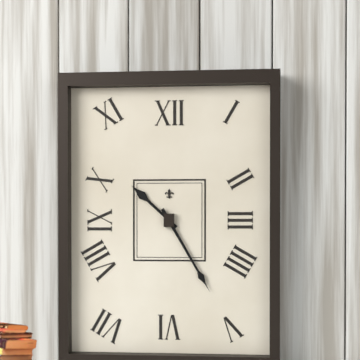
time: 10.25
